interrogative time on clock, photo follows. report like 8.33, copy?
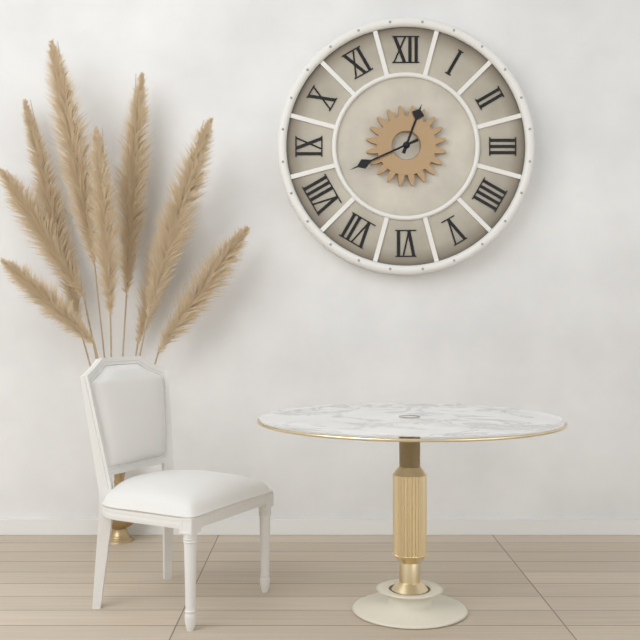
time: 12.41
